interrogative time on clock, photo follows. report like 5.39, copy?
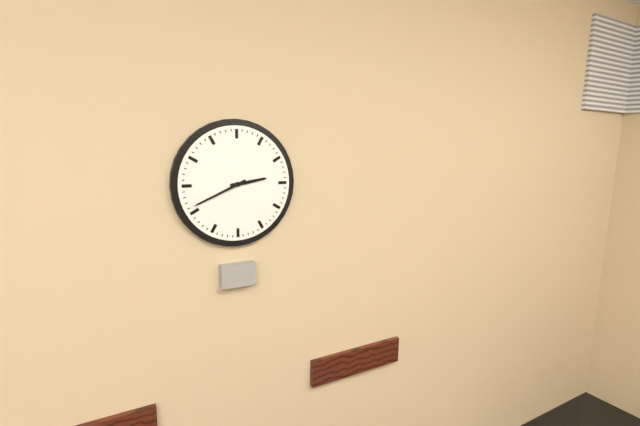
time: 2.41
